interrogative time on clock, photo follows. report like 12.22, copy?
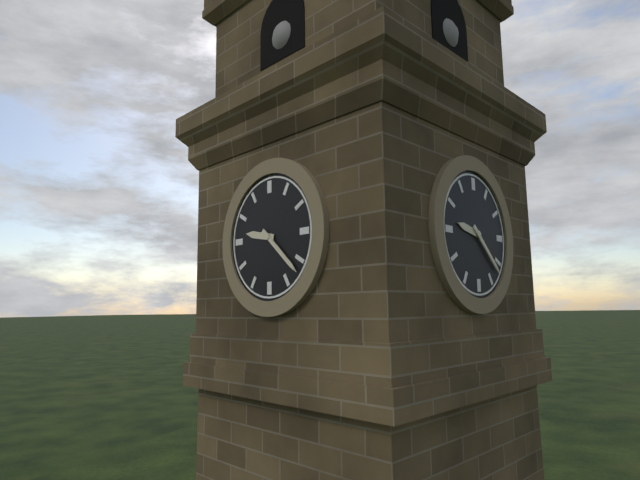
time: 9.22
